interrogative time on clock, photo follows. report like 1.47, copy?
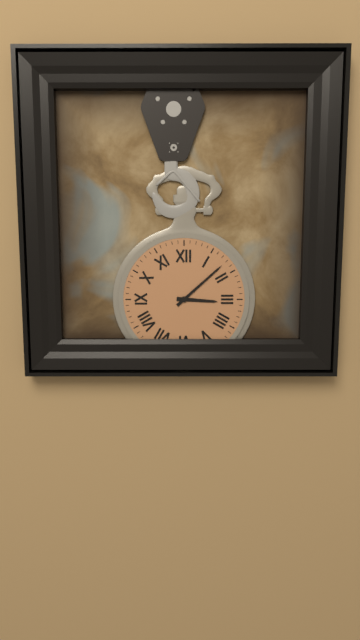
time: 3.08
